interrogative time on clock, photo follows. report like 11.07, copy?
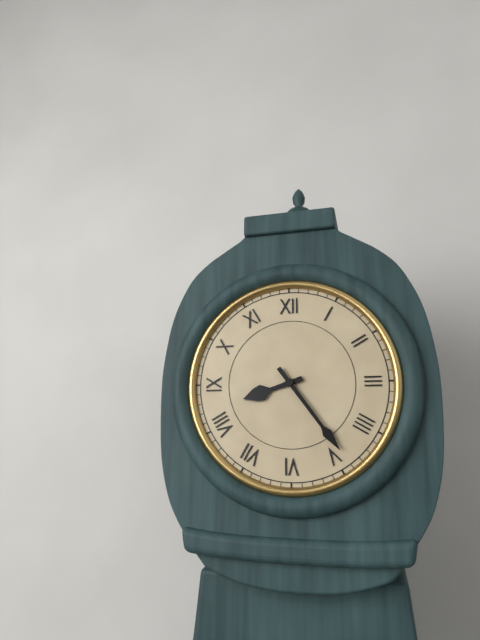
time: 8.24
